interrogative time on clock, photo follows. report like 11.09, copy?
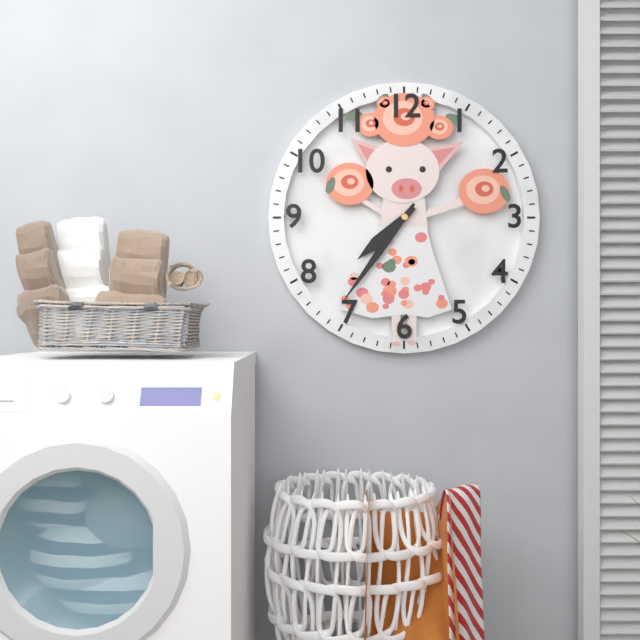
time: 7.36
